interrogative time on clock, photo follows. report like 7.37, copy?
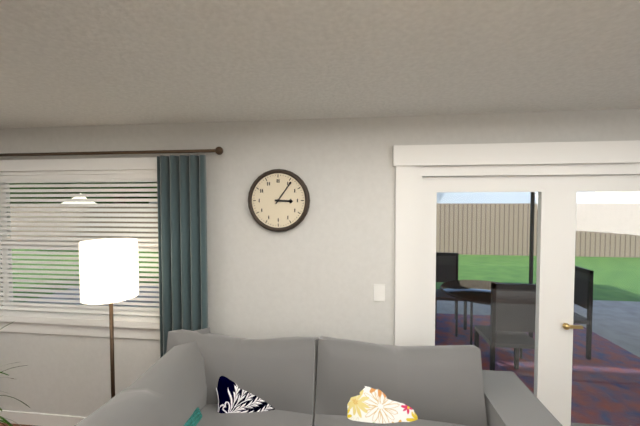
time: 3.06
